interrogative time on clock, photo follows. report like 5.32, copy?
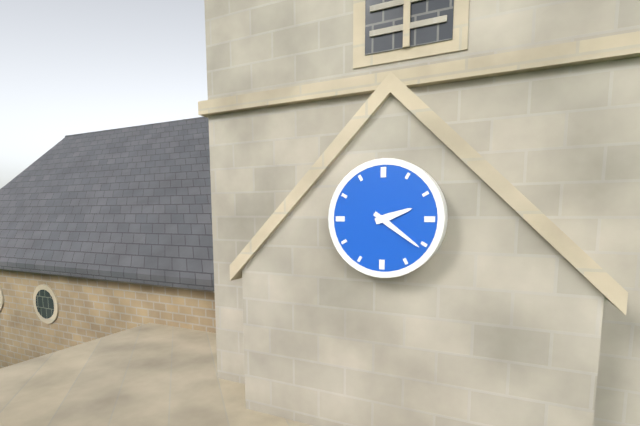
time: 2.21
